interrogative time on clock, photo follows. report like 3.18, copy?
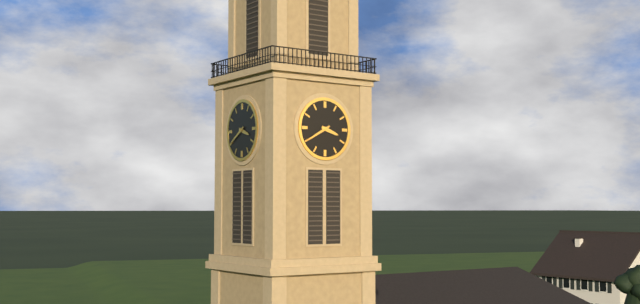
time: 3.40
